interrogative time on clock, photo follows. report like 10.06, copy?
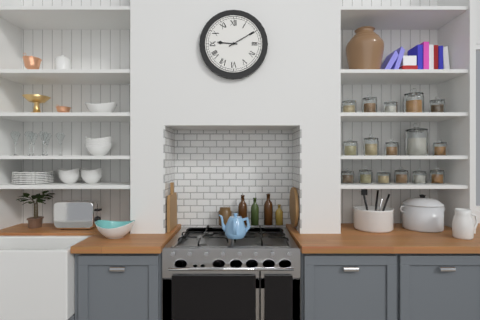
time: 9.10
